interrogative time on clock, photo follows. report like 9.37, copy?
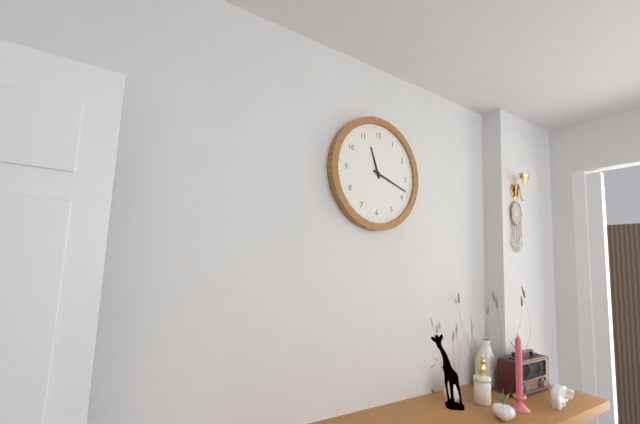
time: 11.18
